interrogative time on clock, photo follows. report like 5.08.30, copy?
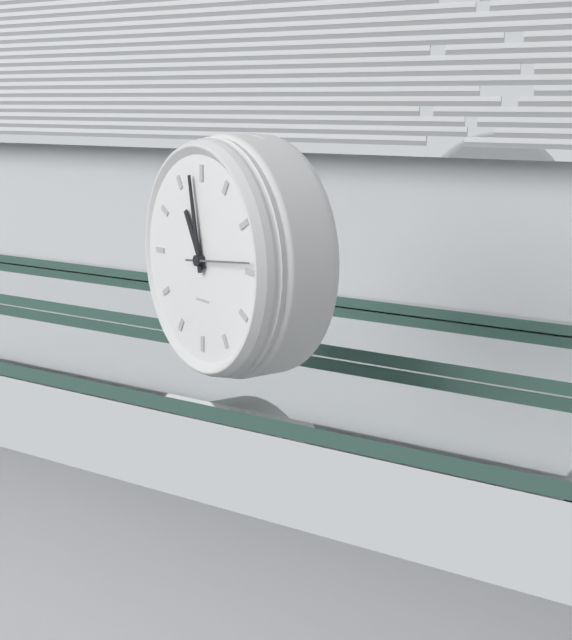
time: 10.58.14
